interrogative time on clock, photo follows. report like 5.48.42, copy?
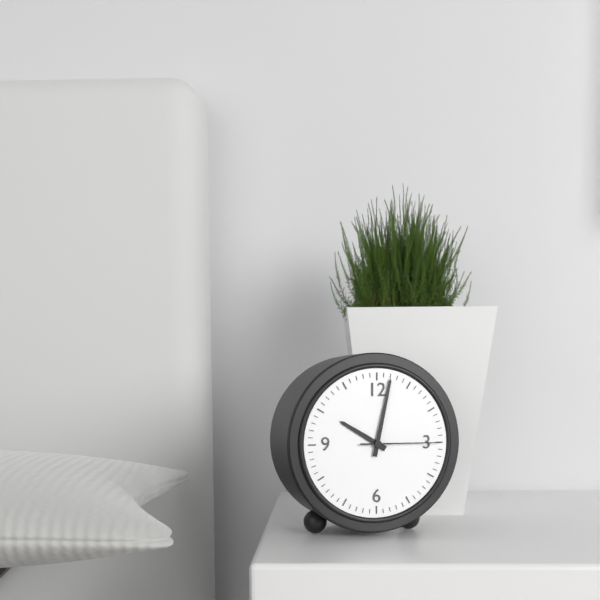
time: 10.02.15
